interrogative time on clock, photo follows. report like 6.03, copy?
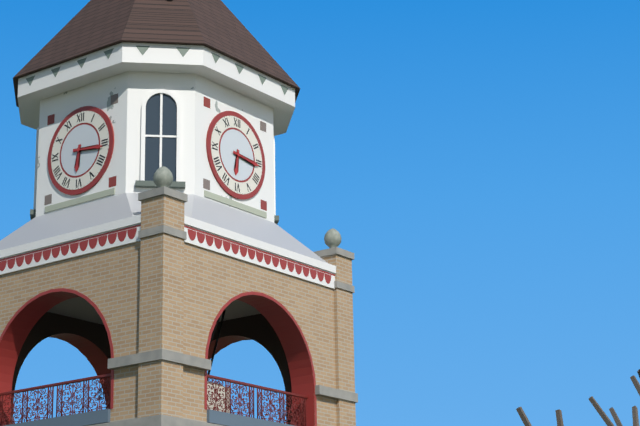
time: 6.16
